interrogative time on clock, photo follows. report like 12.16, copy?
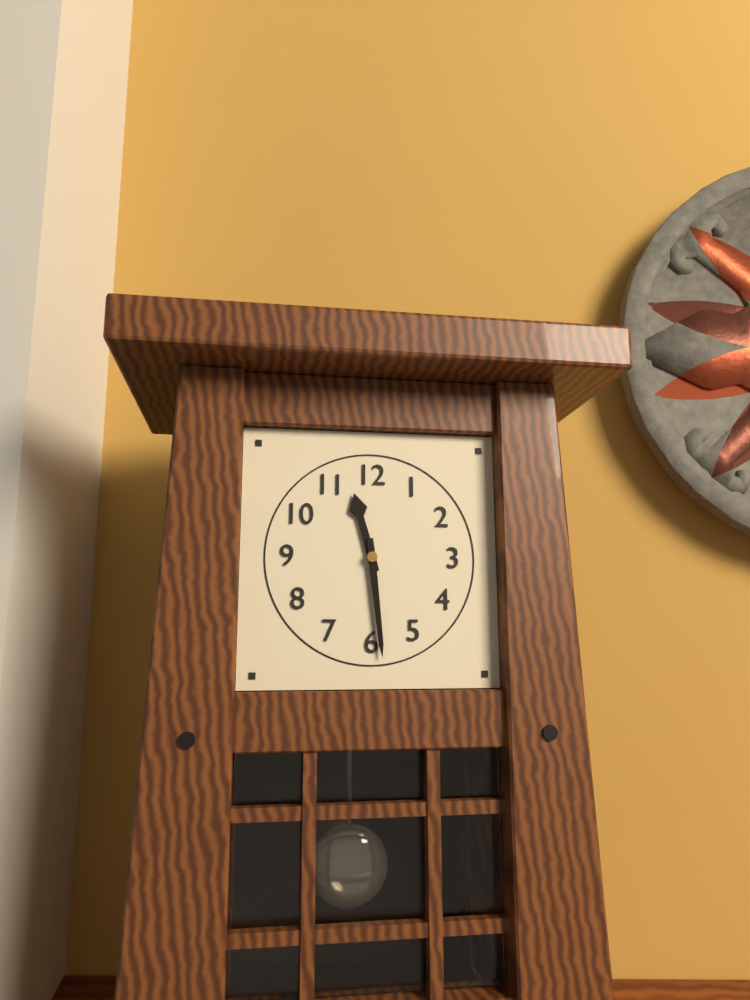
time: 11.29
